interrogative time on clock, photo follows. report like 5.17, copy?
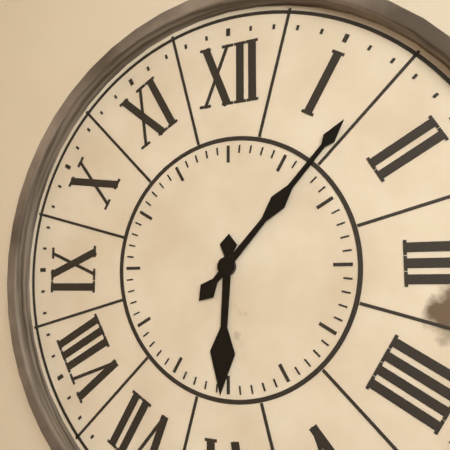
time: 6.07
